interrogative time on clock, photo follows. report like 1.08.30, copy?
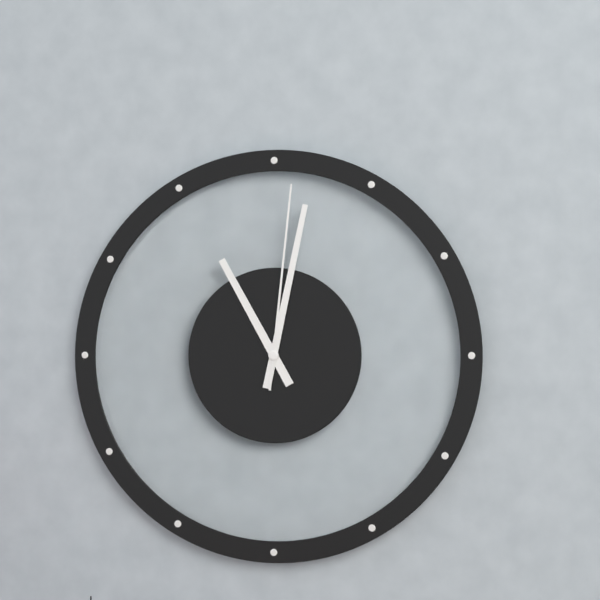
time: 11.02.01
